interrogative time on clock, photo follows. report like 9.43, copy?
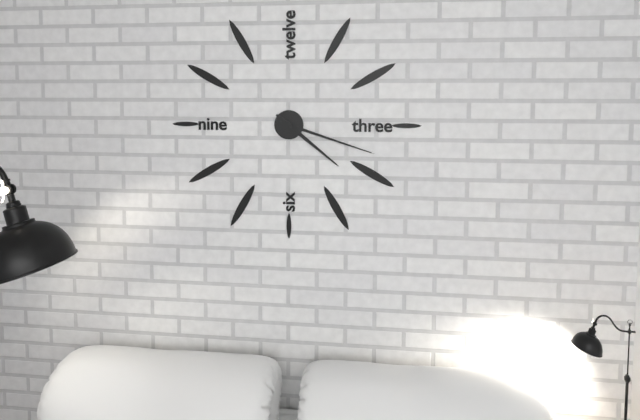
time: 4.18
